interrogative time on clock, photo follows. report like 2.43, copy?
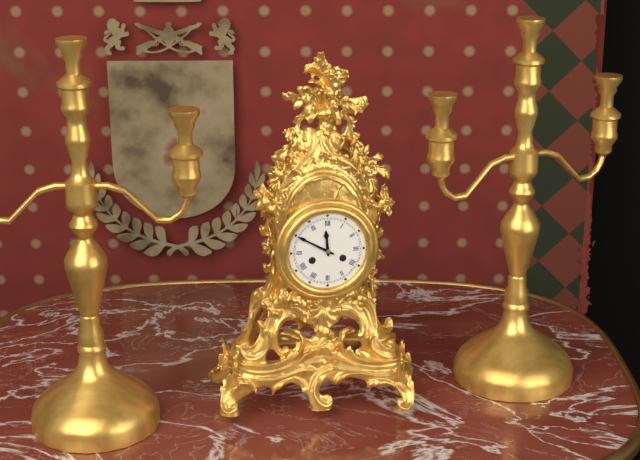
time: 11.50
